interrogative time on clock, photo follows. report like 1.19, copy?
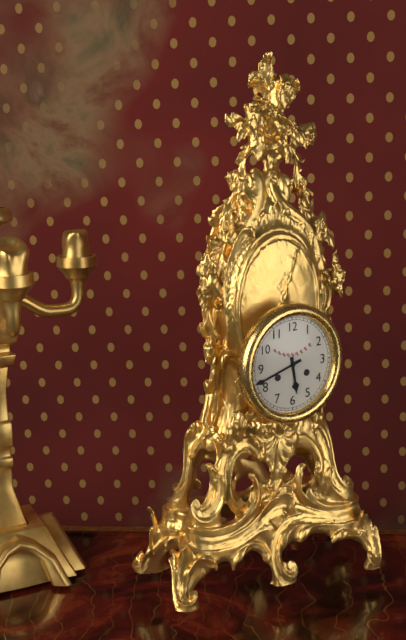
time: 5.42
